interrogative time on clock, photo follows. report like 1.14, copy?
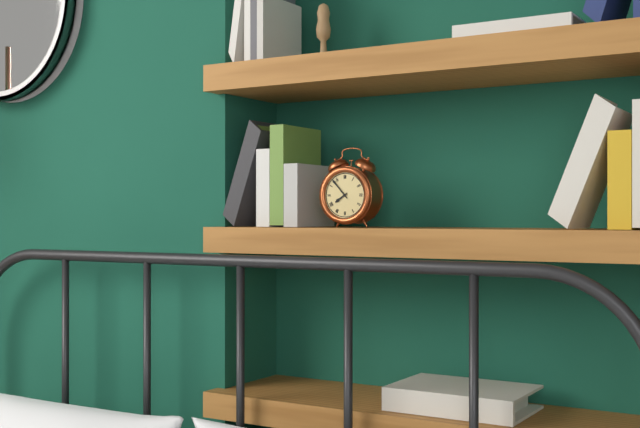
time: 7.53
